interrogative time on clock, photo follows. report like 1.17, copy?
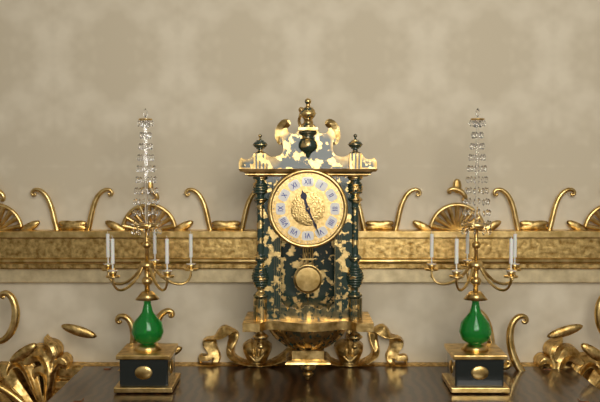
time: 11.26
